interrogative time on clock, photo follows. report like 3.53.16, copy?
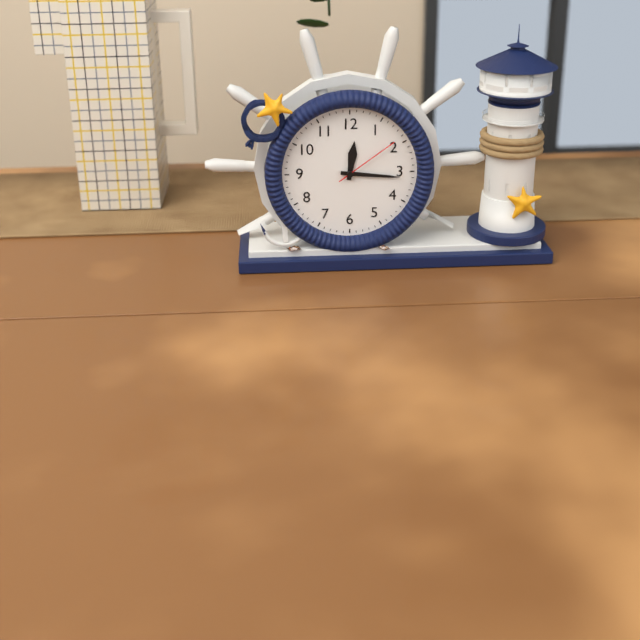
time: 12.16.09
